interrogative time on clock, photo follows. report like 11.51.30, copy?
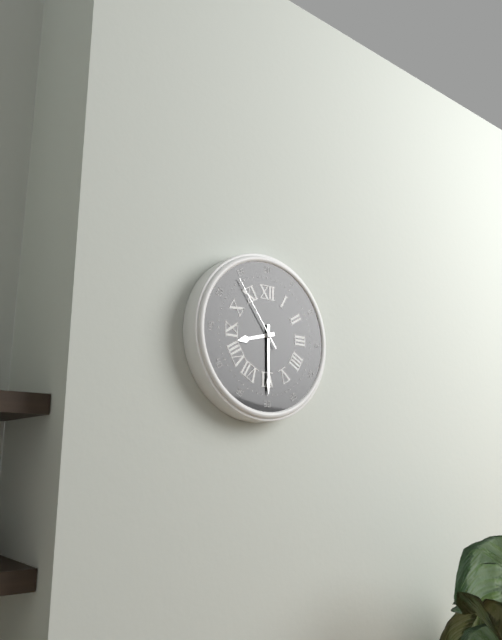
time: 8.30.54
